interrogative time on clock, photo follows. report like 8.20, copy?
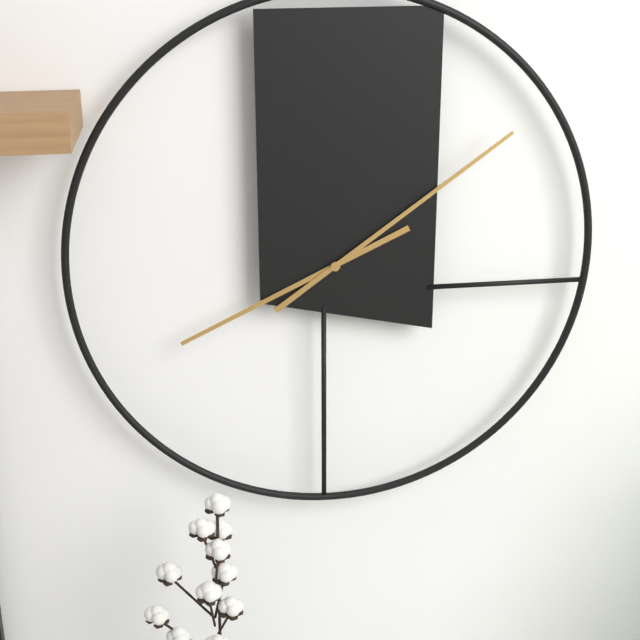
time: 8.09
